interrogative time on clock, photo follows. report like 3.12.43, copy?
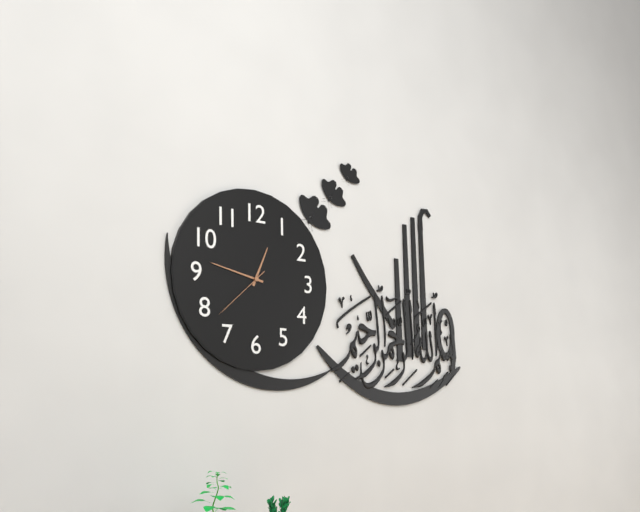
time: 12.47.38
